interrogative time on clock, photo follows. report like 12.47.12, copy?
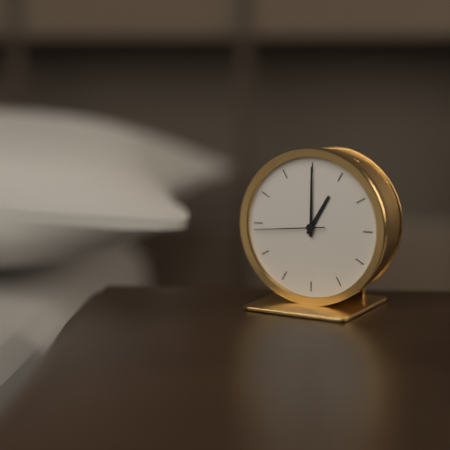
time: 1.00.44
